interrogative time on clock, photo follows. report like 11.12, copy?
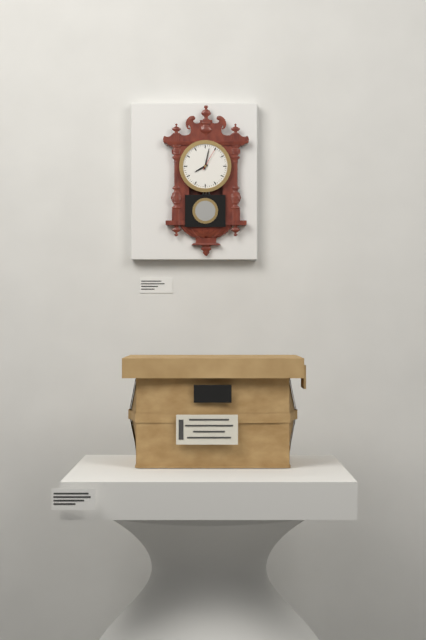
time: 8.02
